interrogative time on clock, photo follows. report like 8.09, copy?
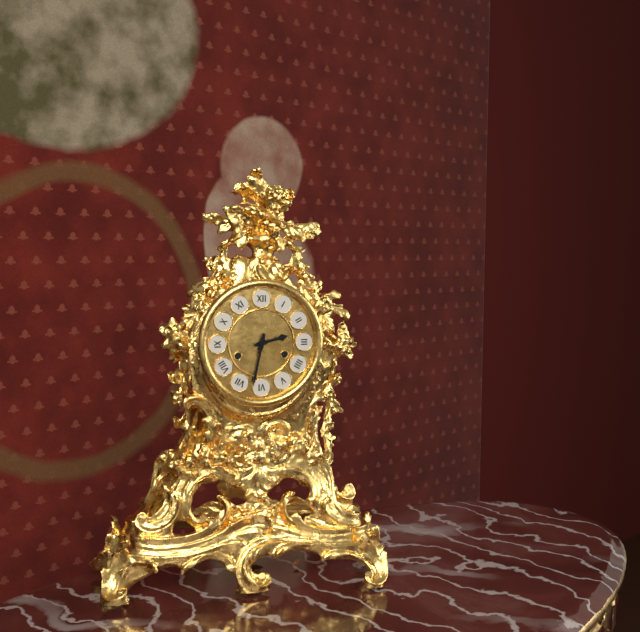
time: 2.32
